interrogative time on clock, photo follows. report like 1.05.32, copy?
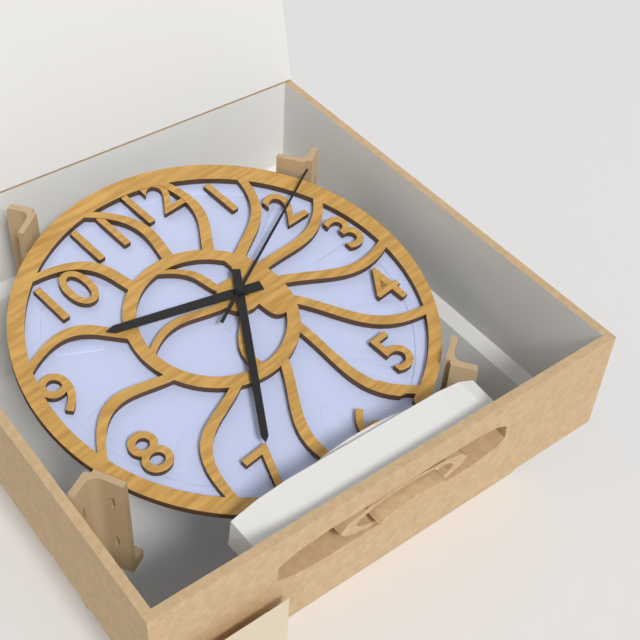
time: 9.36.11
